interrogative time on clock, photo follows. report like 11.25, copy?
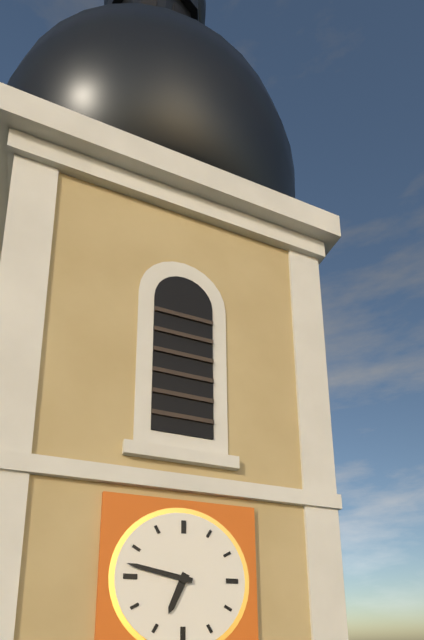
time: 6.47
